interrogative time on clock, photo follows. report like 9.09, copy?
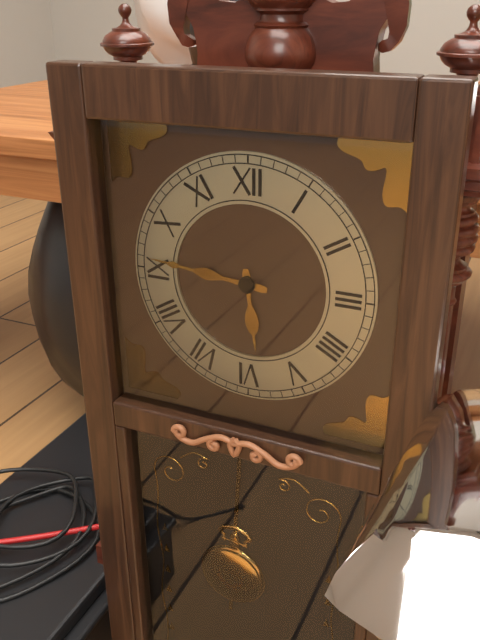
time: 5.46
